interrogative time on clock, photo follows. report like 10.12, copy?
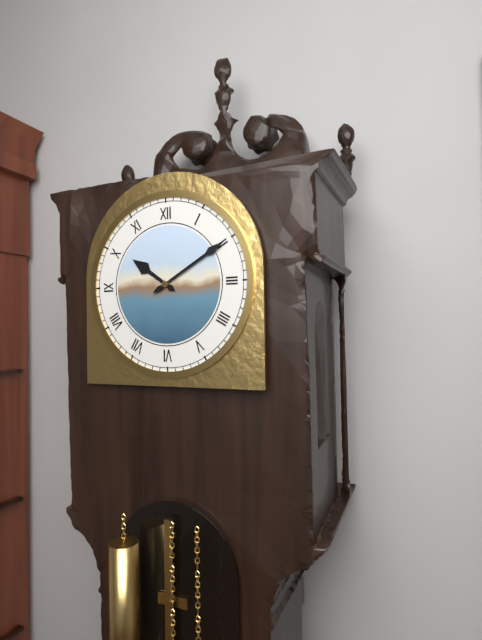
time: 10.10
